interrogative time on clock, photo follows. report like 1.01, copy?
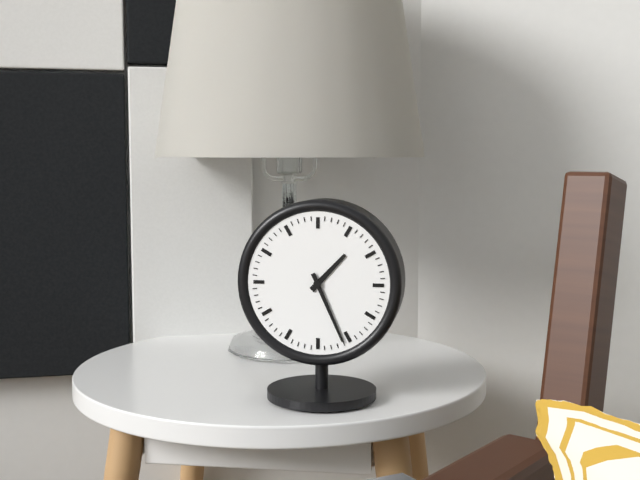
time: 1.26
